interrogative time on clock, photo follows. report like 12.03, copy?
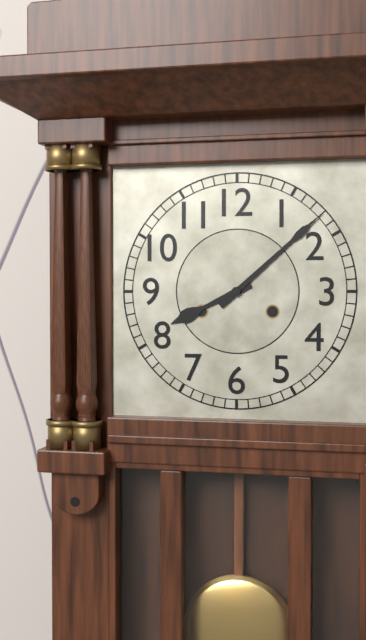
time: 8.08
